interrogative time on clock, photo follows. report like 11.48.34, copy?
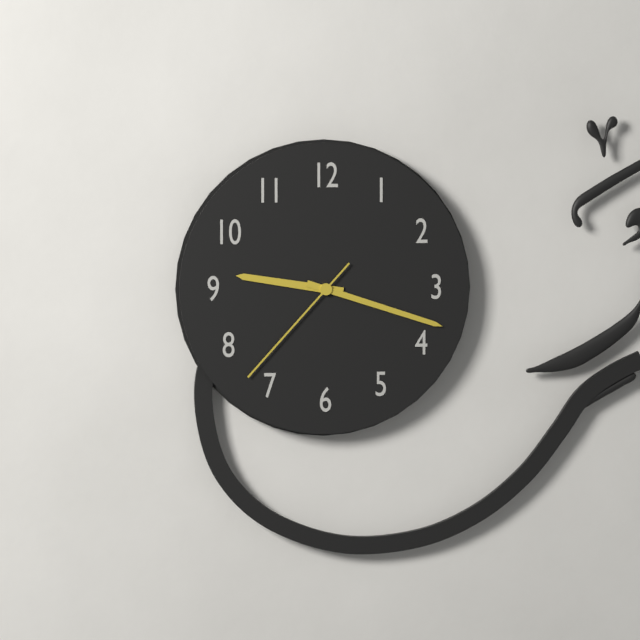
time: 9.18.37
